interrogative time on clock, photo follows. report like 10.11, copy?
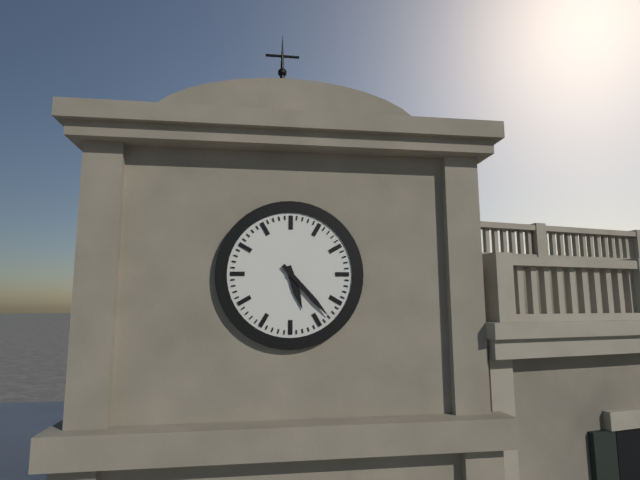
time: 5.23
